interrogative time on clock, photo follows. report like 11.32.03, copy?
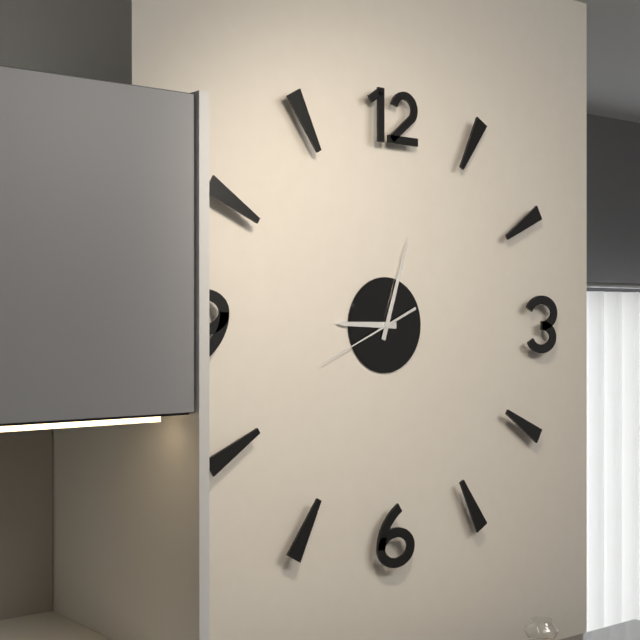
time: 9.03.41
